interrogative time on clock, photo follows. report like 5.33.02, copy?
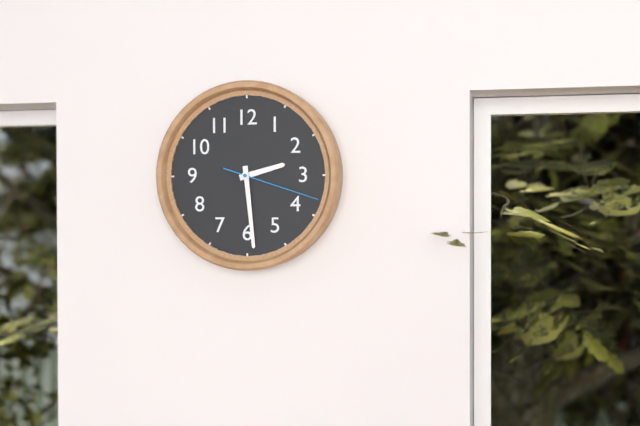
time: 2.29.18
